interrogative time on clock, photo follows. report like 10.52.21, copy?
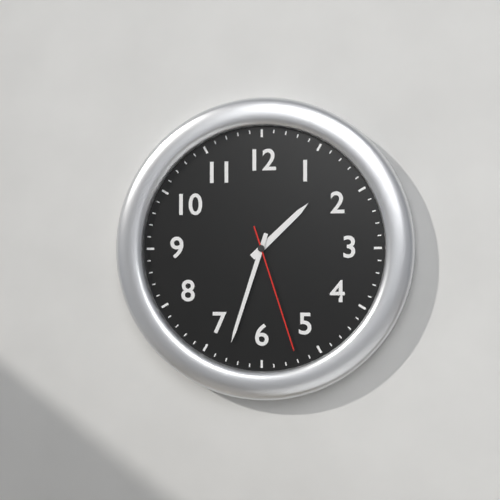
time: 1.33.27
